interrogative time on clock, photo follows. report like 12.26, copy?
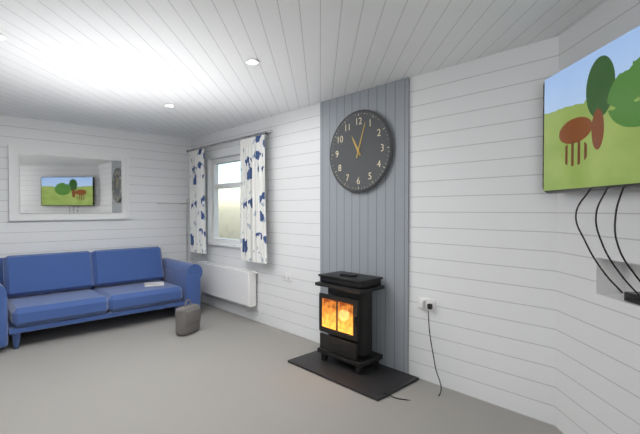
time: 11.03
